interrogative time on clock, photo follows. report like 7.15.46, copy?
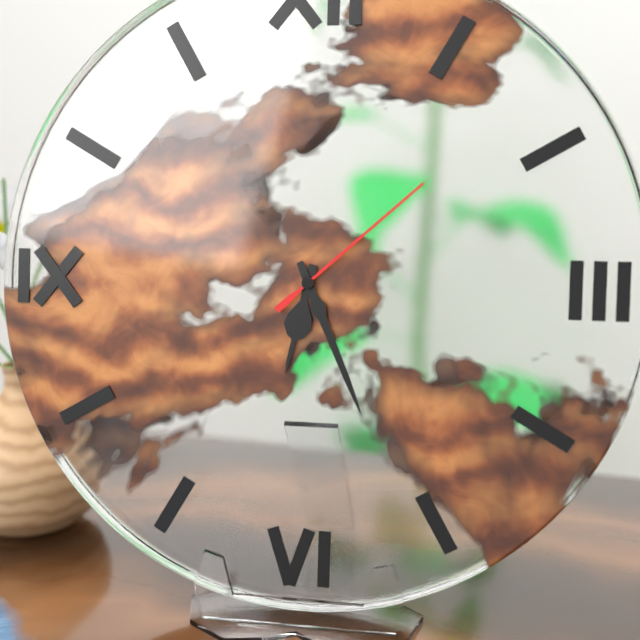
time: 6.26.08
